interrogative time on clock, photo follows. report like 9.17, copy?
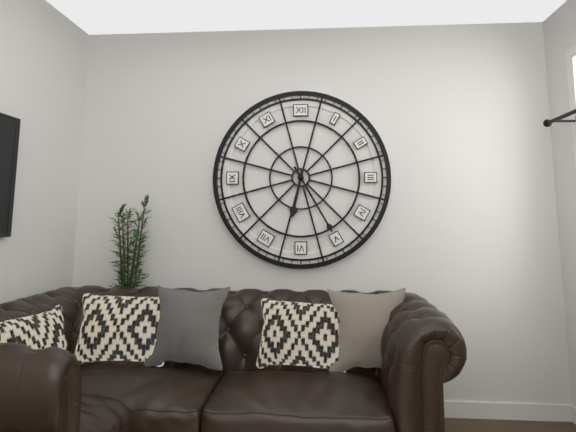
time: 6.25
